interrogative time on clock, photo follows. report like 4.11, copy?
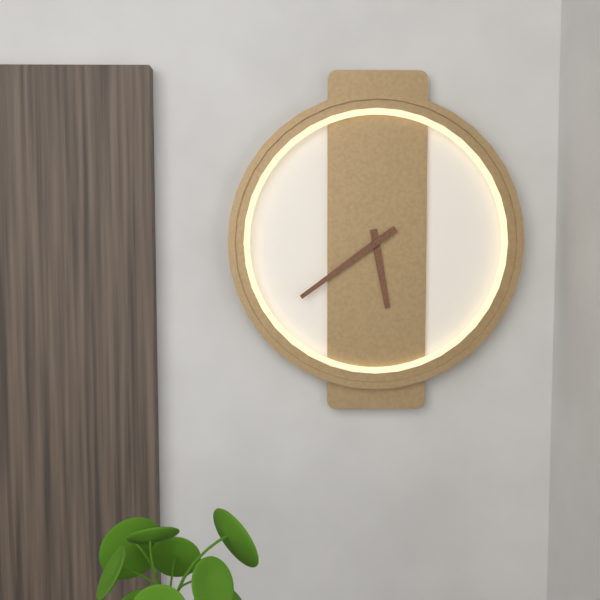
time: 5.39
